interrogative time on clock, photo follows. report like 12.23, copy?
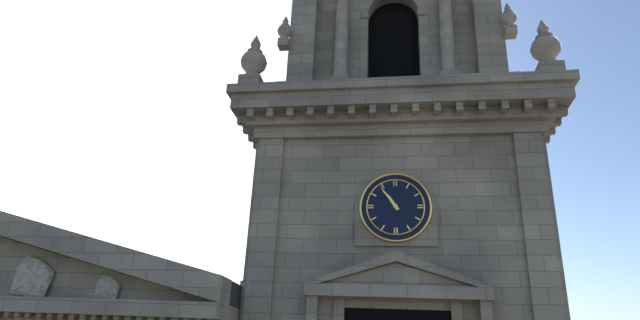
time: 10.54
